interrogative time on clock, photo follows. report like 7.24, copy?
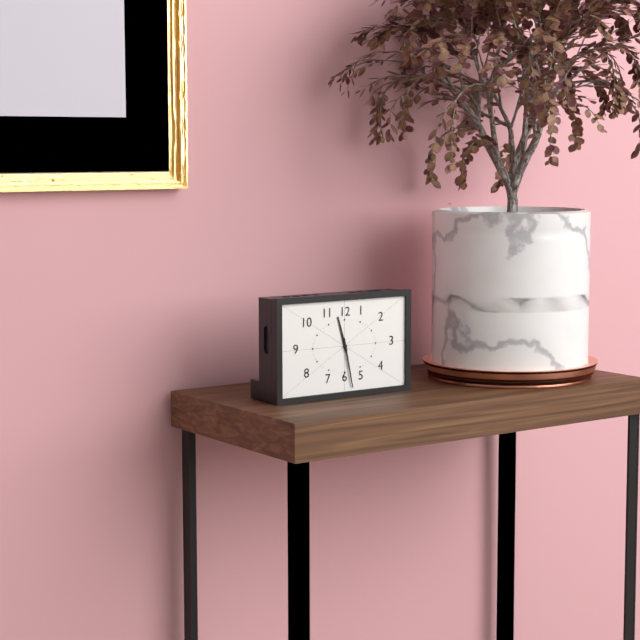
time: 11.28
